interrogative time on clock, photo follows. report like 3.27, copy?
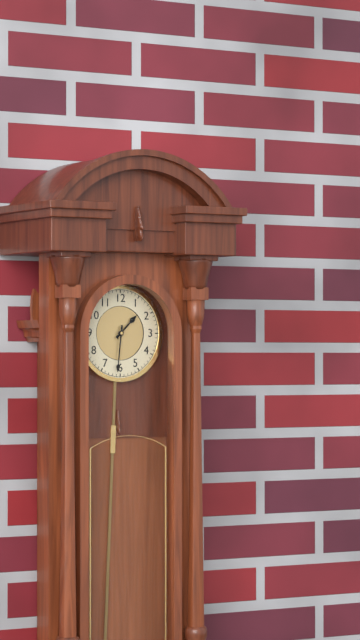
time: 1.31
